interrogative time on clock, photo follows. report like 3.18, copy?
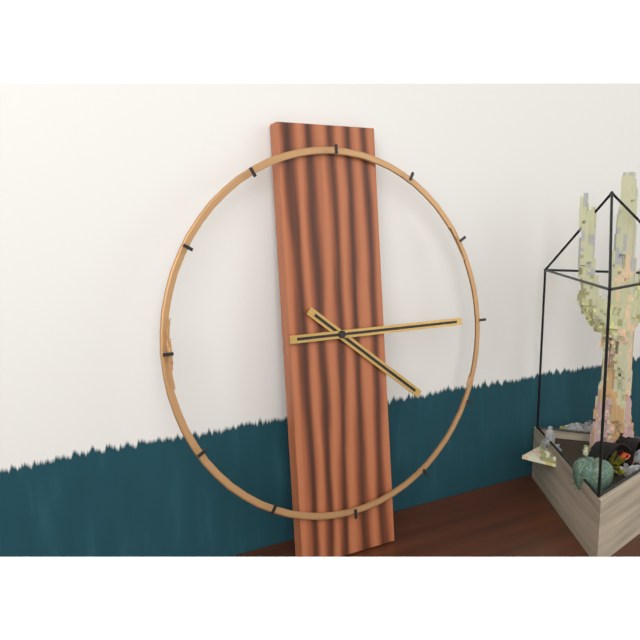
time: 4.15
